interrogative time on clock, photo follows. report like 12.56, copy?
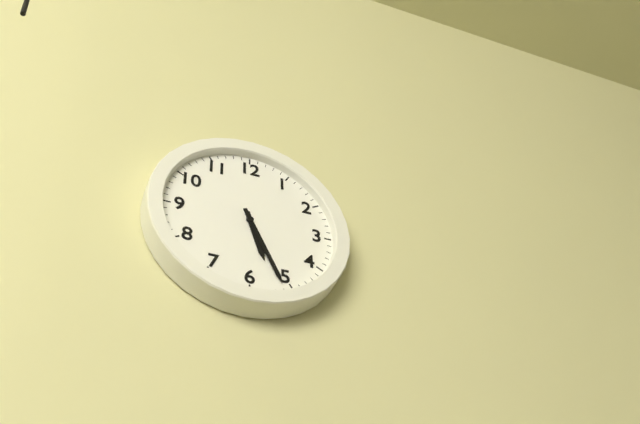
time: 5.26
